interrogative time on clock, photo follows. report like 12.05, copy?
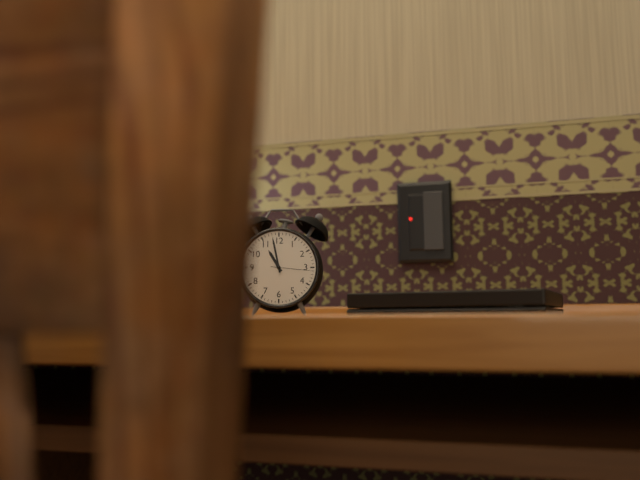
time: 10.58
